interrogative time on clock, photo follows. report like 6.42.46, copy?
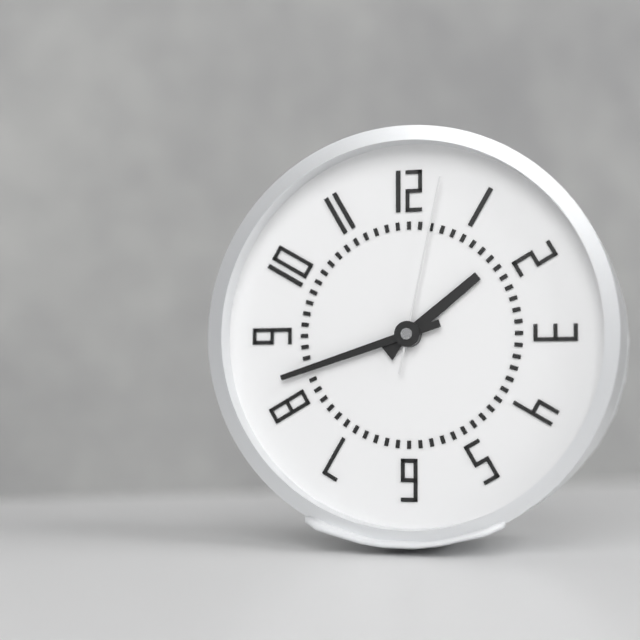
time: 1.42.02
